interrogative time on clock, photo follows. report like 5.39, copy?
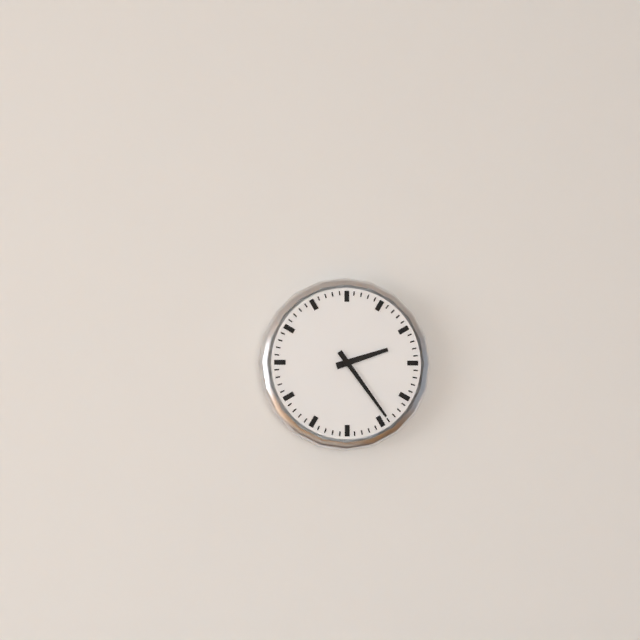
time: 2.24
